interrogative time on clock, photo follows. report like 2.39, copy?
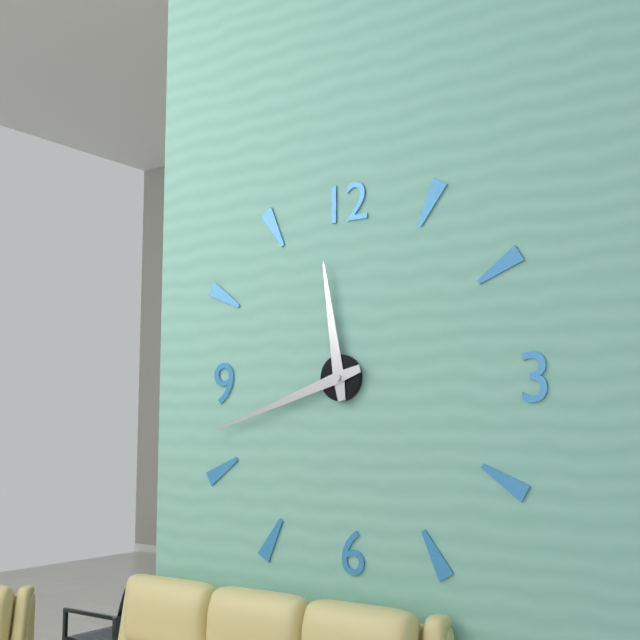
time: 11.42
